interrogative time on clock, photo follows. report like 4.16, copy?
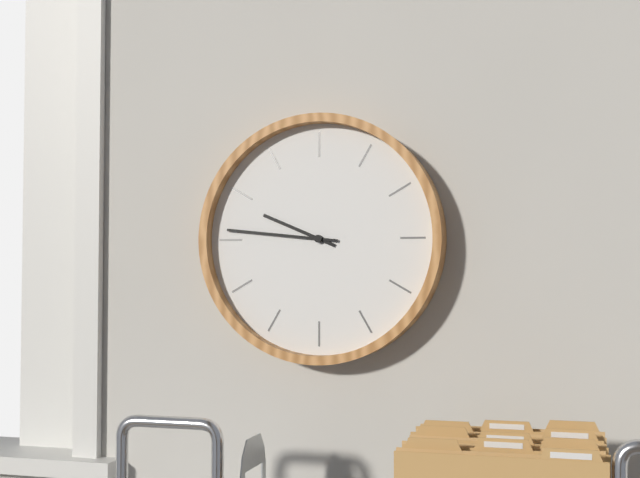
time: 9.46
